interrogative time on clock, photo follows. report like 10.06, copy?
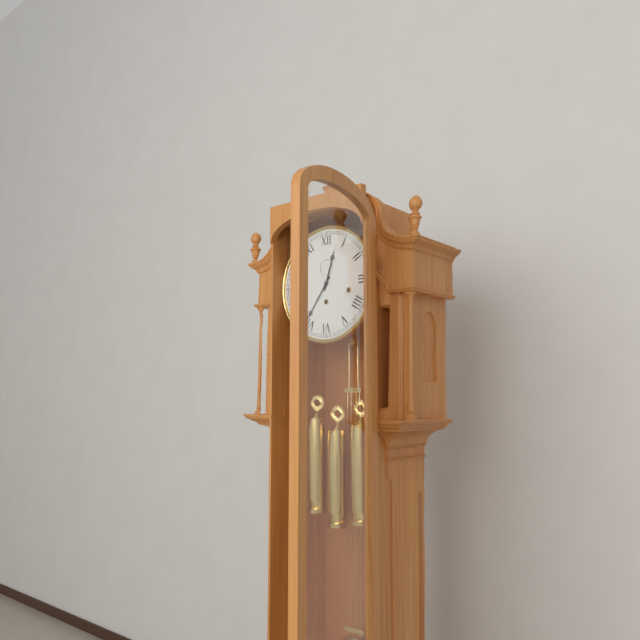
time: 12.36
